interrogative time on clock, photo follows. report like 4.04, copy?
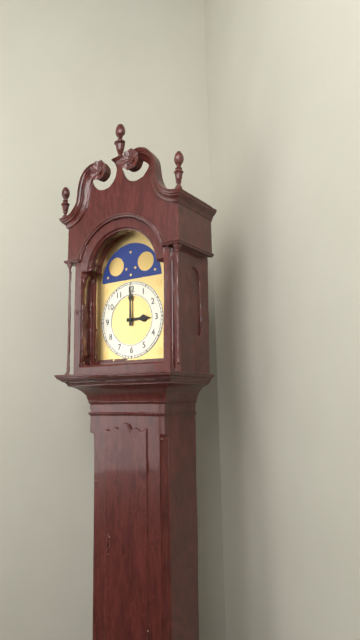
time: 3.00
